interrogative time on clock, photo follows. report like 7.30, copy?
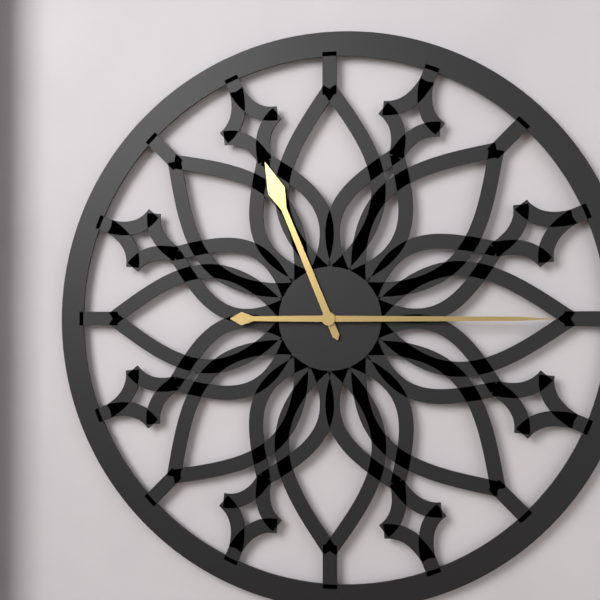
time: 11.15
